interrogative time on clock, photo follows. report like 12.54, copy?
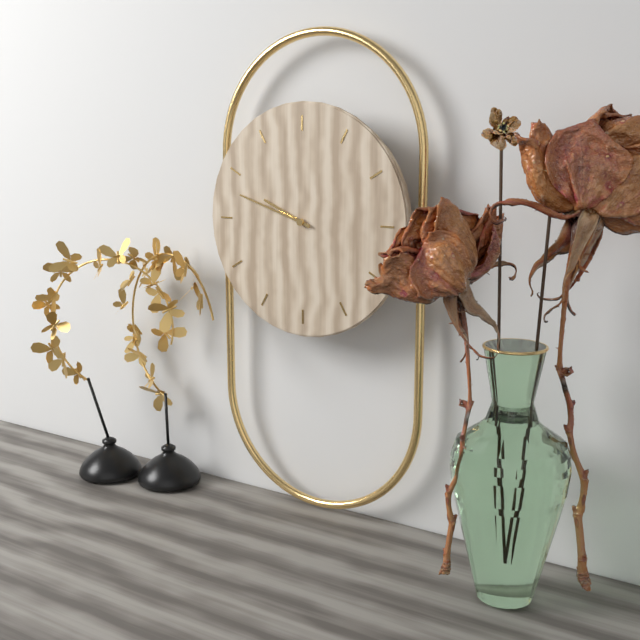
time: 9.48
